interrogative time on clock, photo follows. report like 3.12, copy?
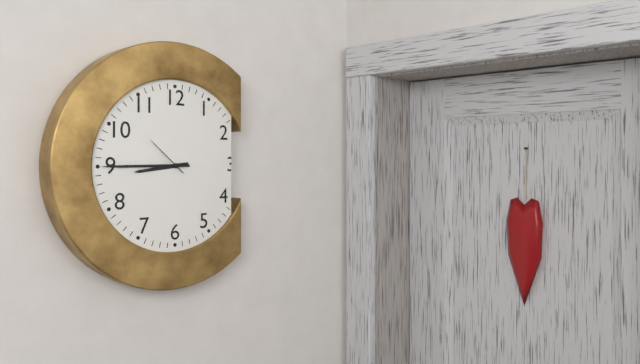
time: 8.45
